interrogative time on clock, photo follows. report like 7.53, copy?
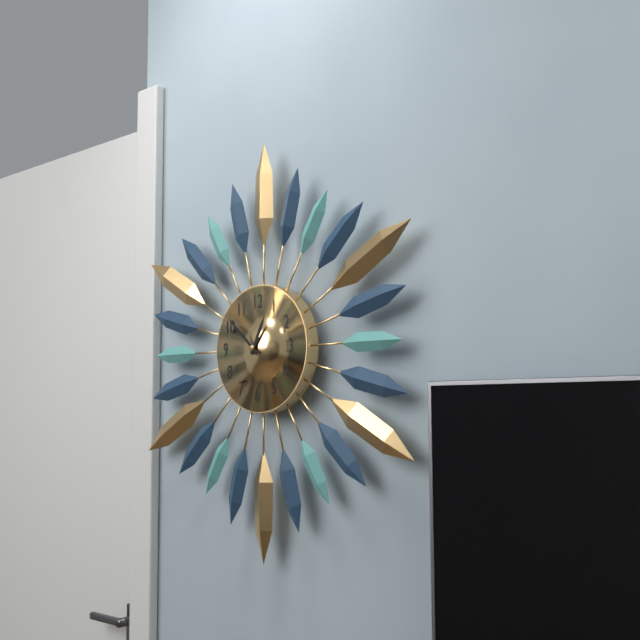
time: 12.52
